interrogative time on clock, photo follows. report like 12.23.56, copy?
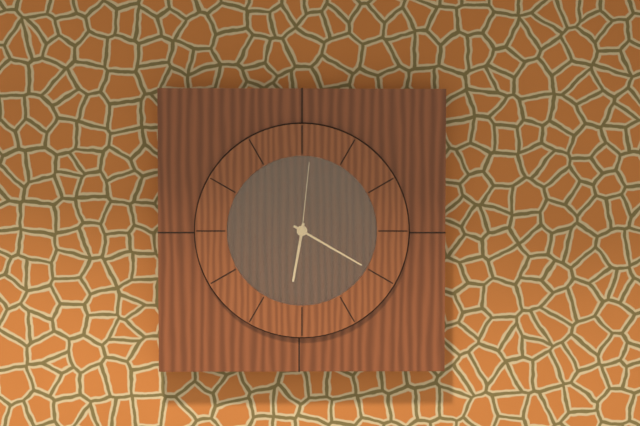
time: 6.20.01
